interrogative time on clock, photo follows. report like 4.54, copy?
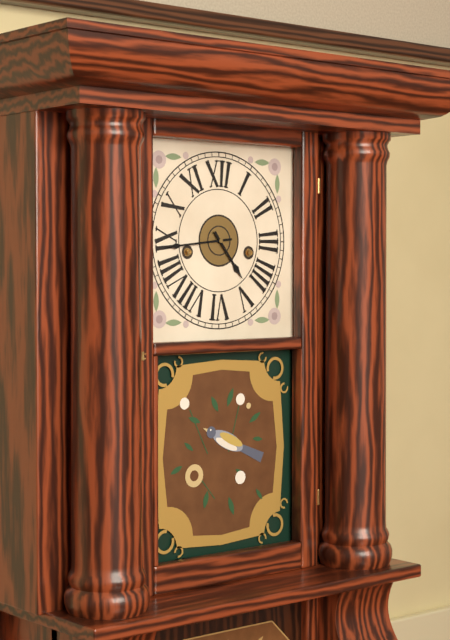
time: 4.44
